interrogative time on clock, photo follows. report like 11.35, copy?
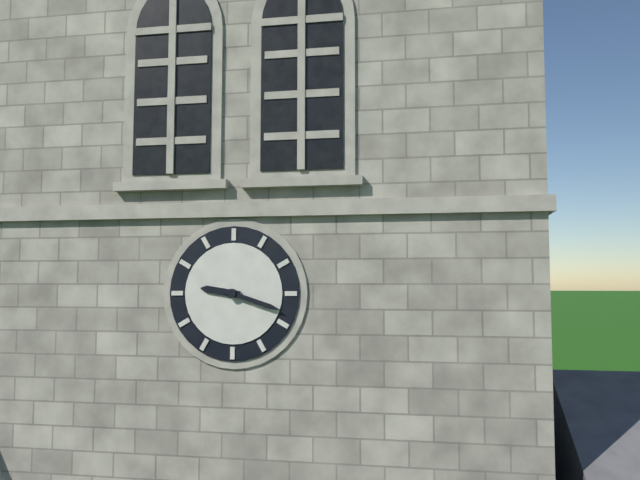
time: 9.18
